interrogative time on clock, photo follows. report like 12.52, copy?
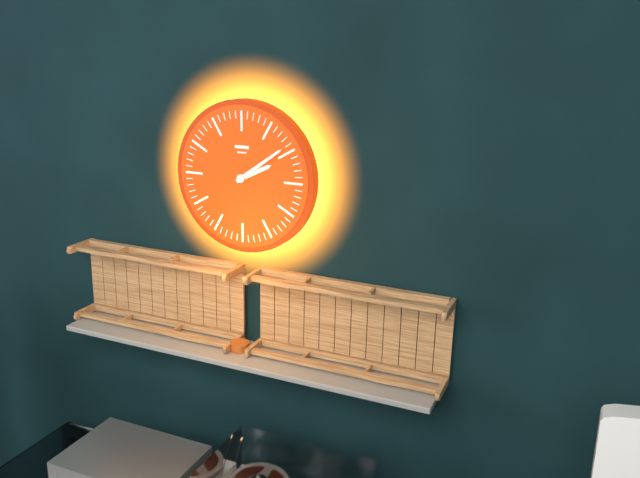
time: 2.09
